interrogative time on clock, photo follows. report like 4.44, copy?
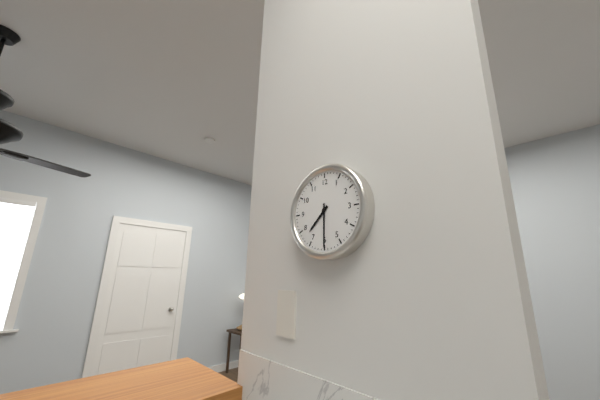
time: 7.30
